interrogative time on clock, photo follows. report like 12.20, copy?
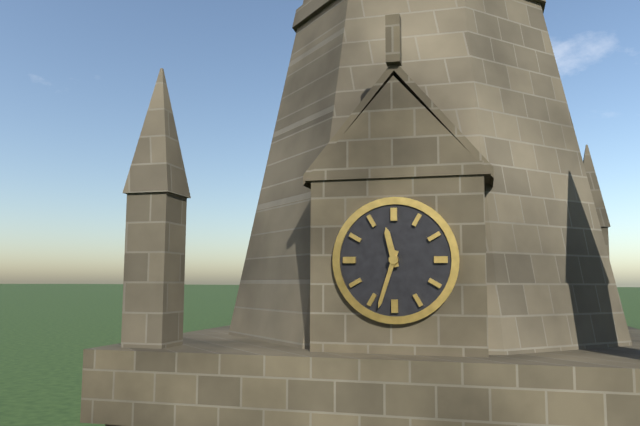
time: 11.33
